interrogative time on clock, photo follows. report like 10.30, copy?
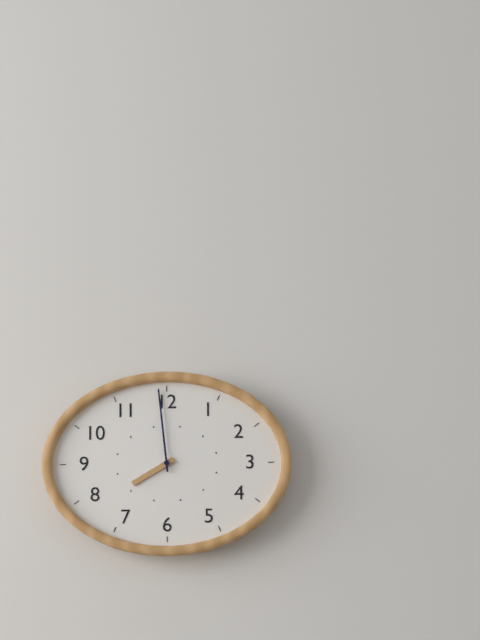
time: 7.59
